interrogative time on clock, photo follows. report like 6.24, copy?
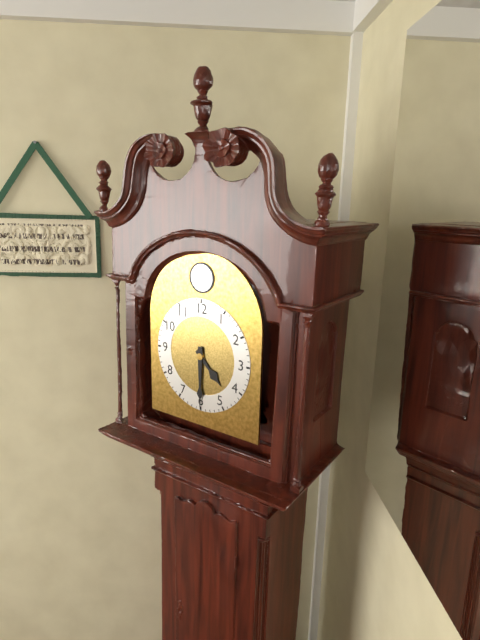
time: 4.30
